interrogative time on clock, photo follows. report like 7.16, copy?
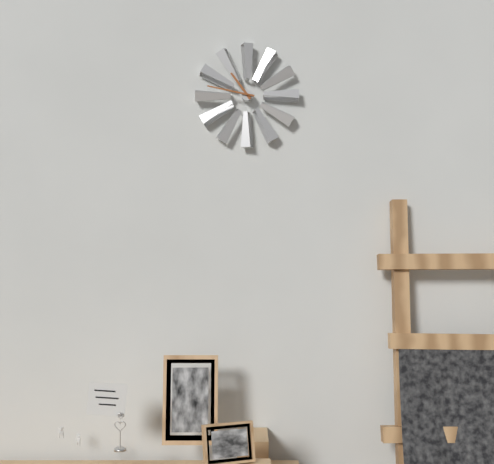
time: 10.47
